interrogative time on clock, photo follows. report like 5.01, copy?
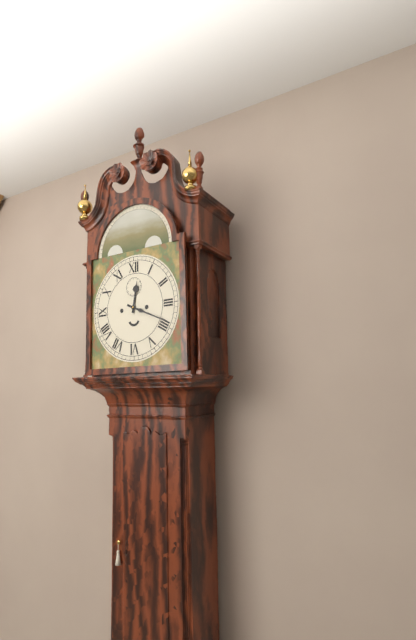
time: 12.19
